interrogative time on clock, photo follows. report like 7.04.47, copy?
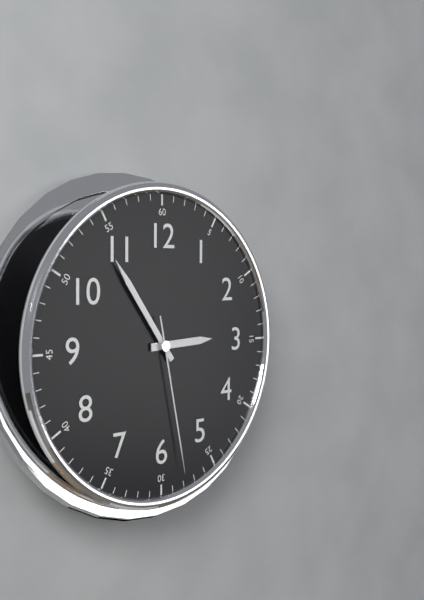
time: 2.54.28
